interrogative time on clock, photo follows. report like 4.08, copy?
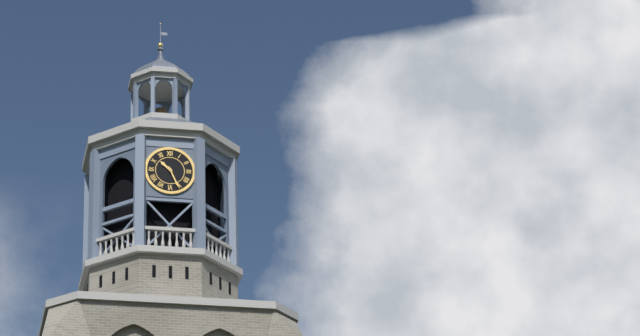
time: 10.26
